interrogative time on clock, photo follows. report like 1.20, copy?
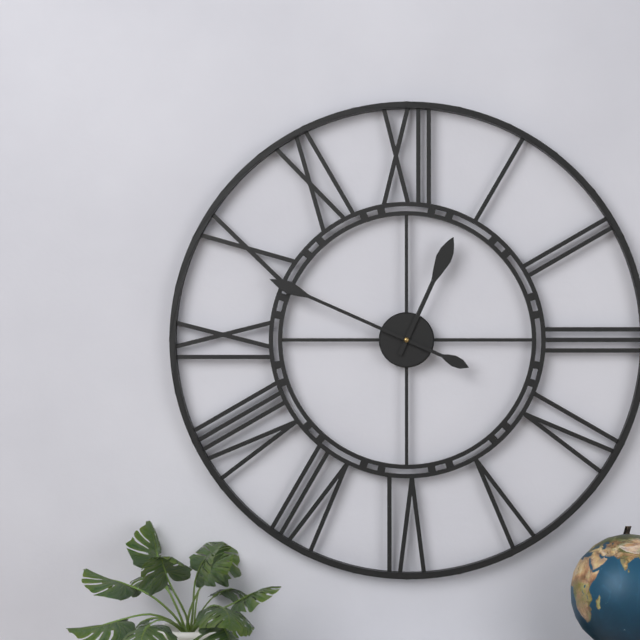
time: 12.49
